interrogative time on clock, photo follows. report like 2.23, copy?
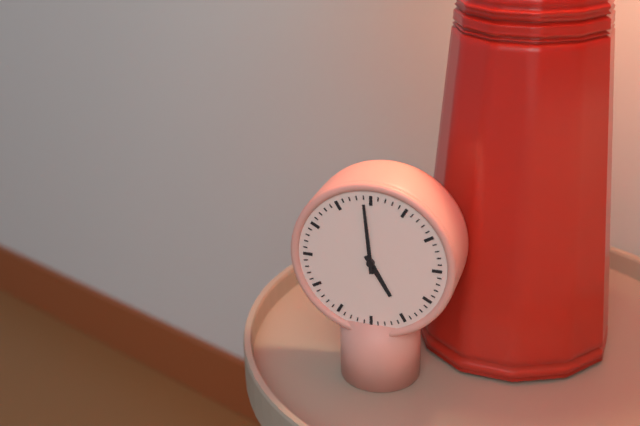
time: 4.59
